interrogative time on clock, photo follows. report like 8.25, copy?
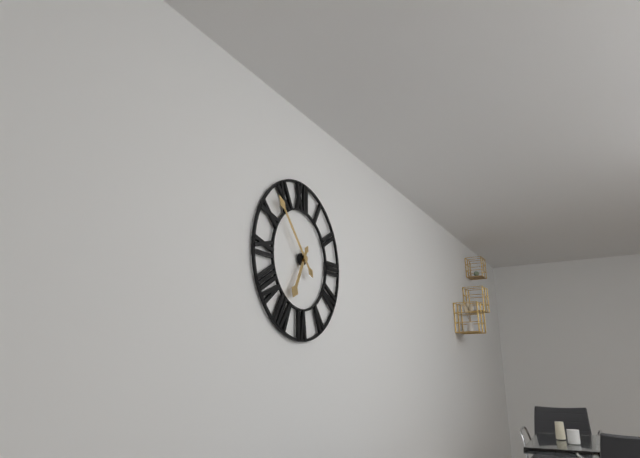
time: 6.53
